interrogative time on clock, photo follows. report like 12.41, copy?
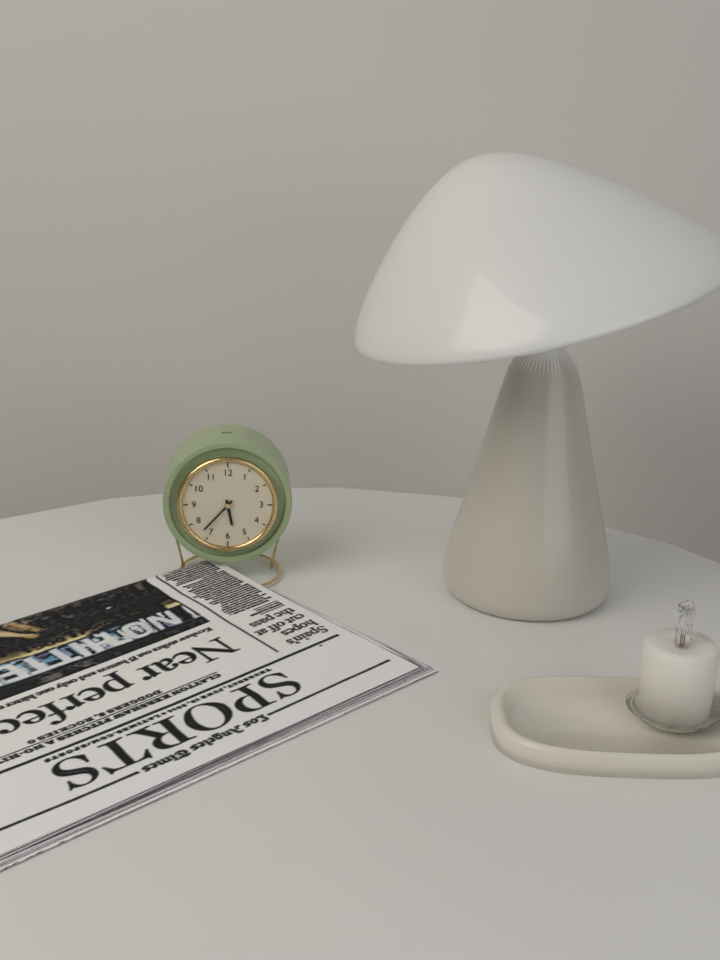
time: 5.37
